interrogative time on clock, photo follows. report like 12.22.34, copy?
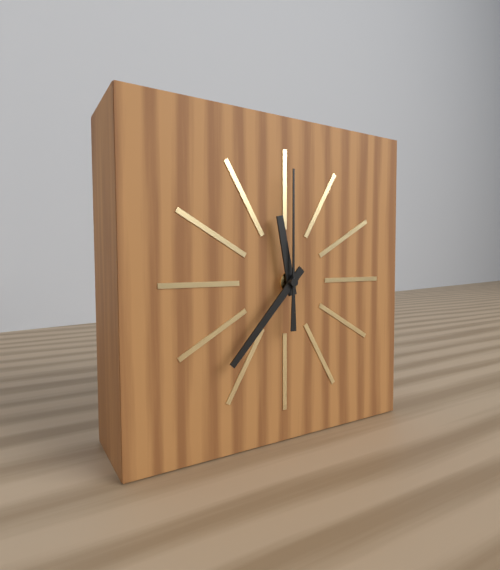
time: 11.37.00
